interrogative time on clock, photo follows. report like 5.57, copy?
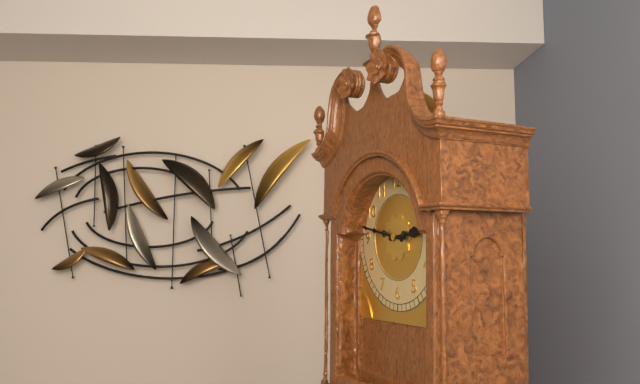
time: 2.47
